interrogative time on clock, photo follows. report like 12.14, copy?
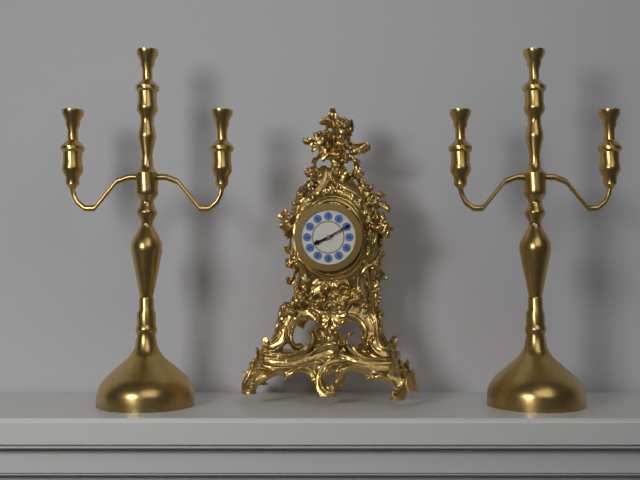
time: 8.10
